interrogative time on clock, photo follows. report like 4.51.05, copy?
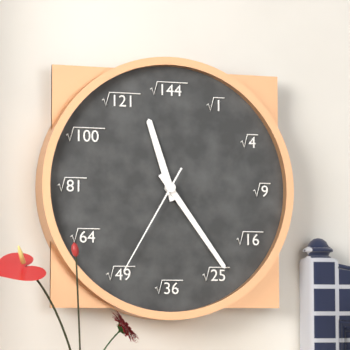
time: 11.24.35
